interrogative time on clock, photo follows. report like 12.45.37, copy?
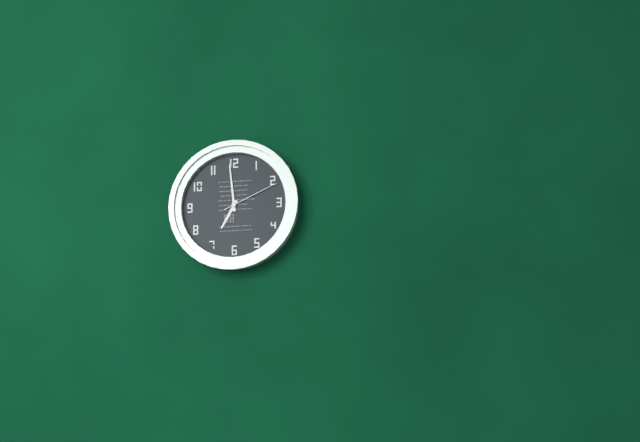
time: 6.59.11
